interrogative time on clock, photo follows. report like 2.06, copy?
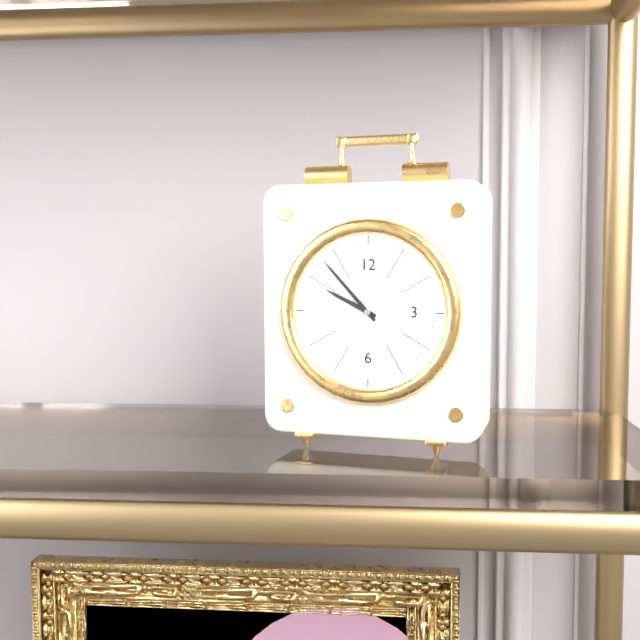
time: 9.53
